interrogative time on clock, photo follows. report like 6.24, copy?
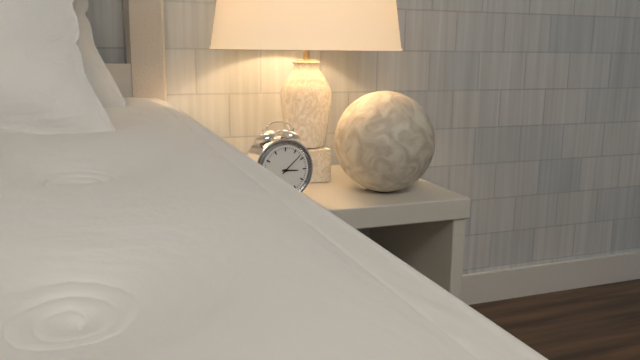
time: 3.08
